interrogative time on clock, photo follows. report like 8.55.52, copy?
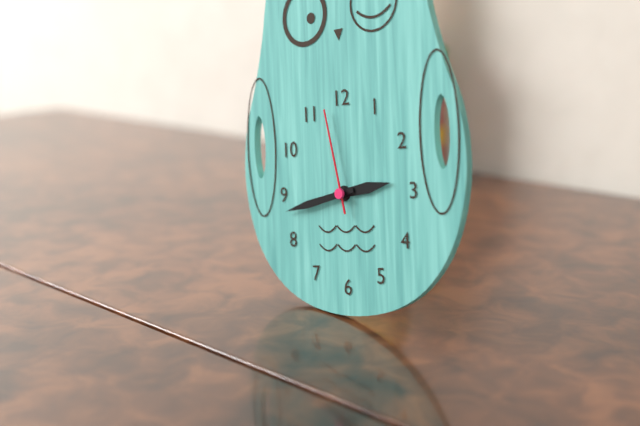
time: 2.43.58
